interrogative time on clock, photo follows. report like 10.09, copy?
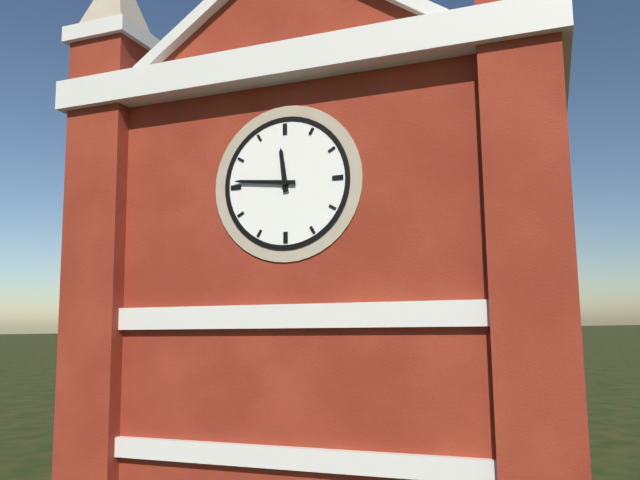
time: 11.46
